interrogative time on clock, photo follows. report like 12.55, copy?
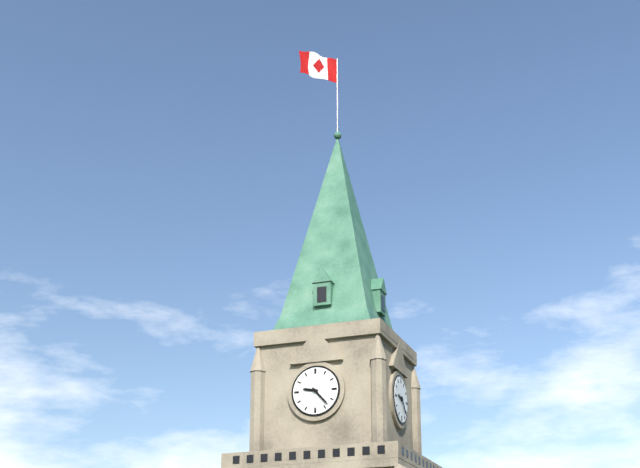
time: 9.23
